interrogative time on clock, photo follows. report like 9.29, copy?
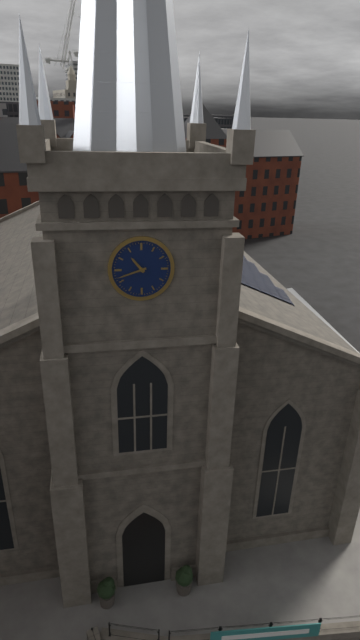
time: 10.42
